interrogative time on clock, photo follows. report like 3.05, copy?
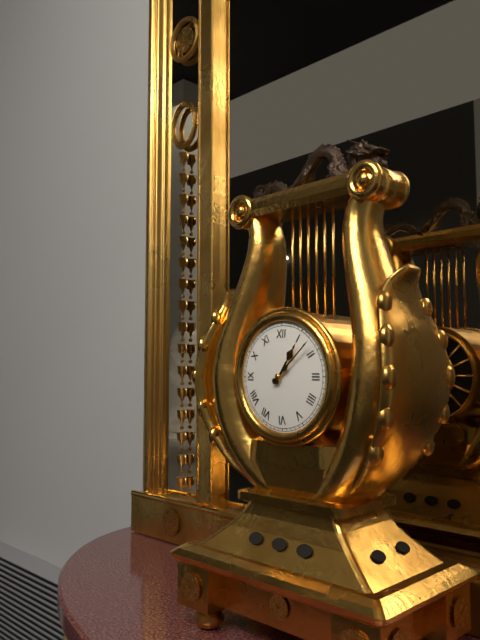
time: 1.08
